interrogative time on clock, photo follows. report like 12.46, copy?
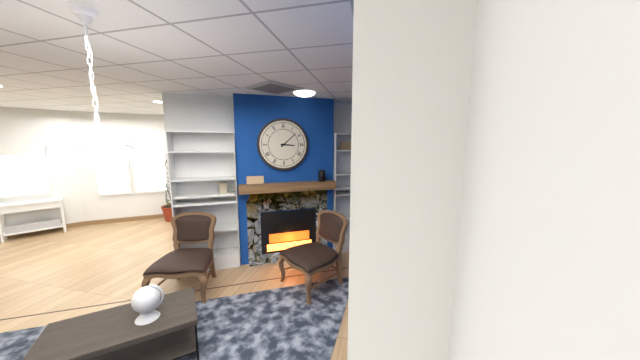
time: 3.08
